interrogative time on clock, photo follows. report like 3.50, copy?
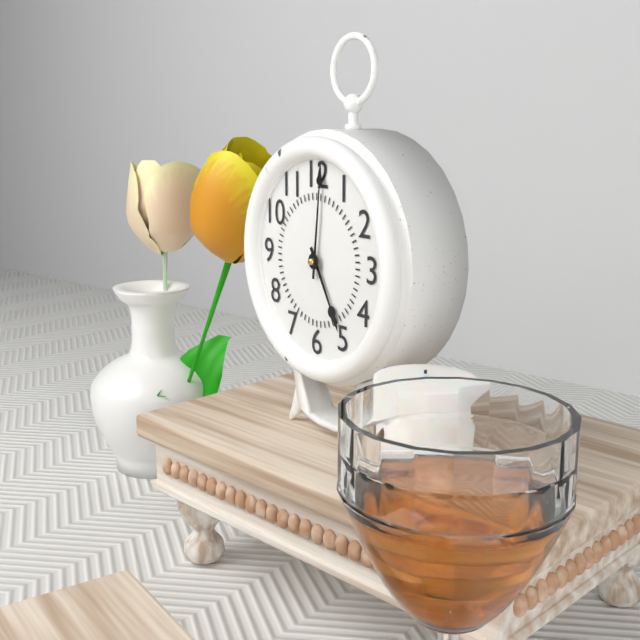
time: 5.01
